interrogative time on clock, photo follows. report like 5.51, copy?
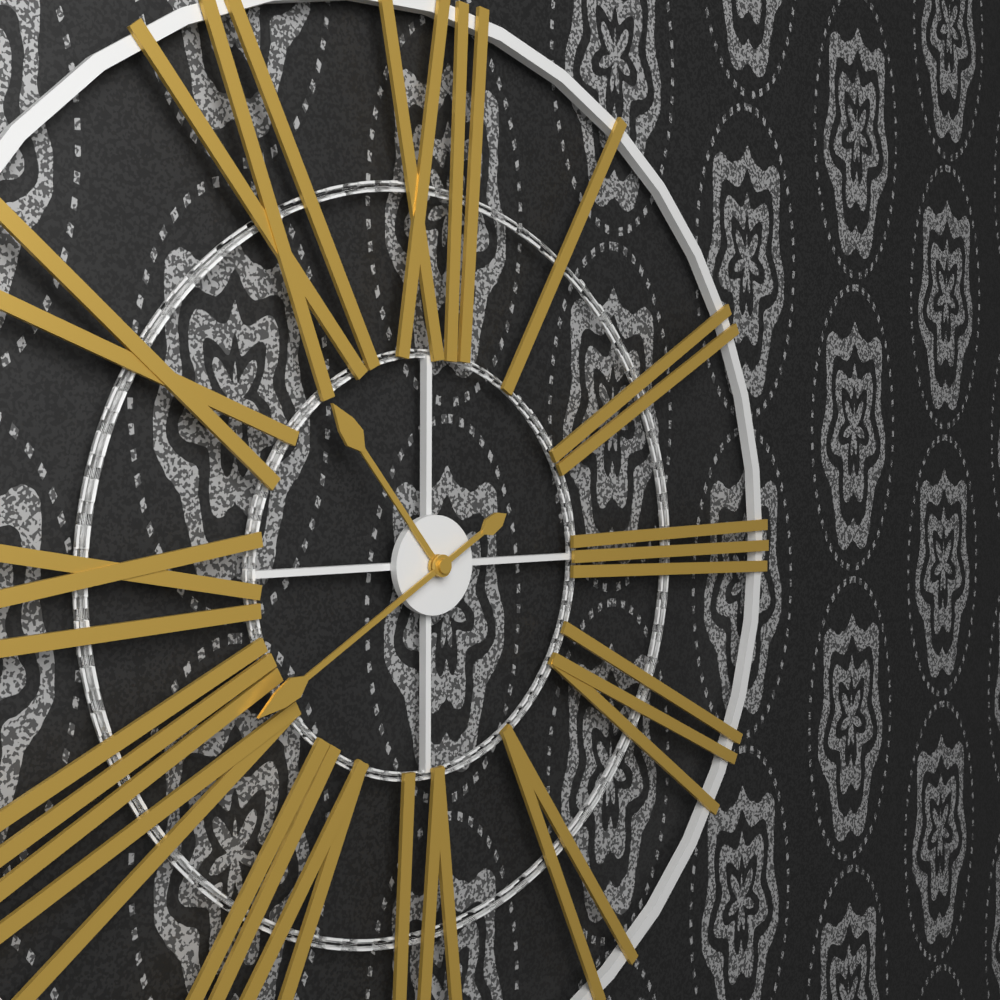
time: 10.40
